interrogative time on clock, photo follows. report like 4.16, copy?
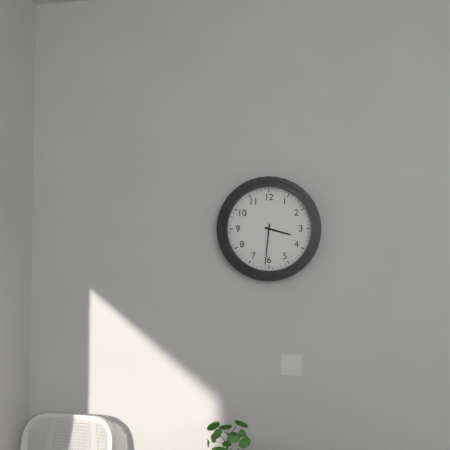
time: 3.31
